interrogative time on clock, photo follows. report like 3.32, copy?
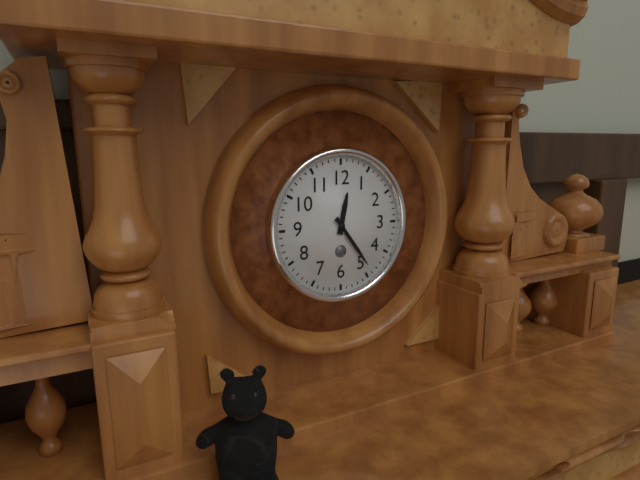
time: 12.24
